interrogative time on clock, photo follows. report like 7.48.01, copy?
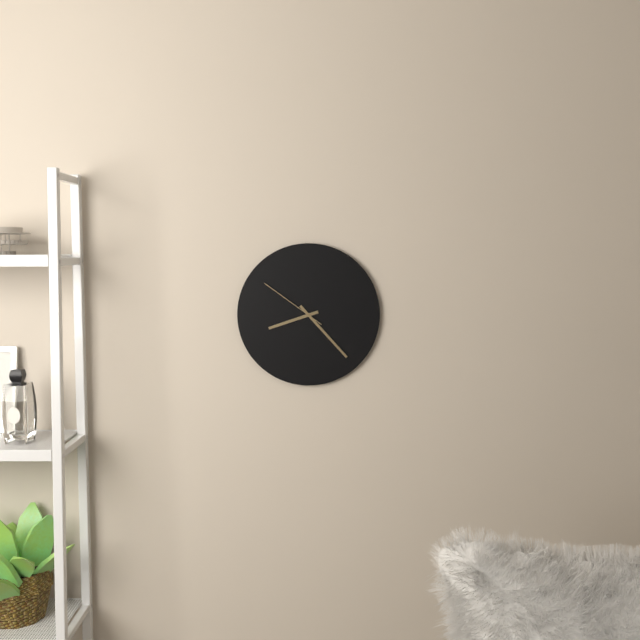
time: 8.23.51
